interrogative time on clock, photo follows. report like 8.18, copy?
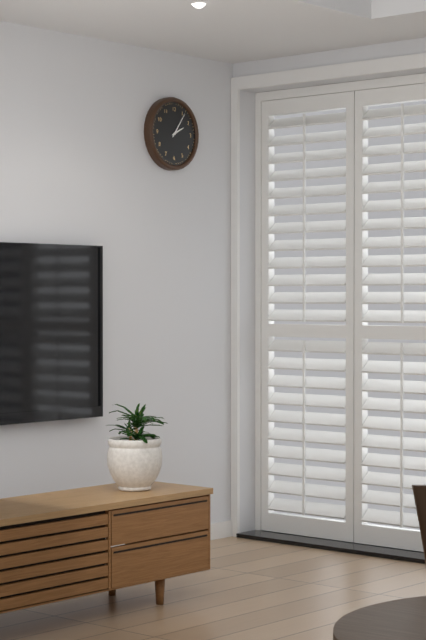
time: 2.06
